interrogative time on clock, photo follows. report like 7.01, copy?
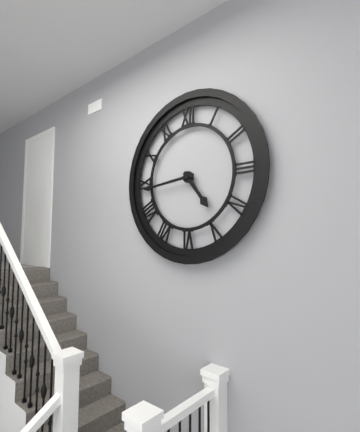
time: 4.44
